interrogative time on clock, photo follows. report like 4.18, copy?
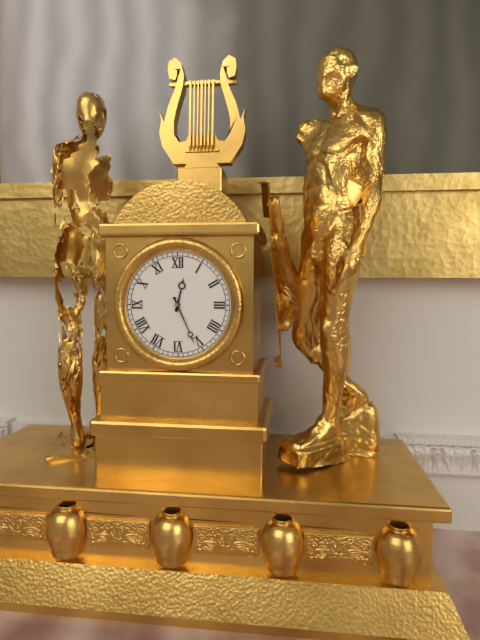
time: 12.26
